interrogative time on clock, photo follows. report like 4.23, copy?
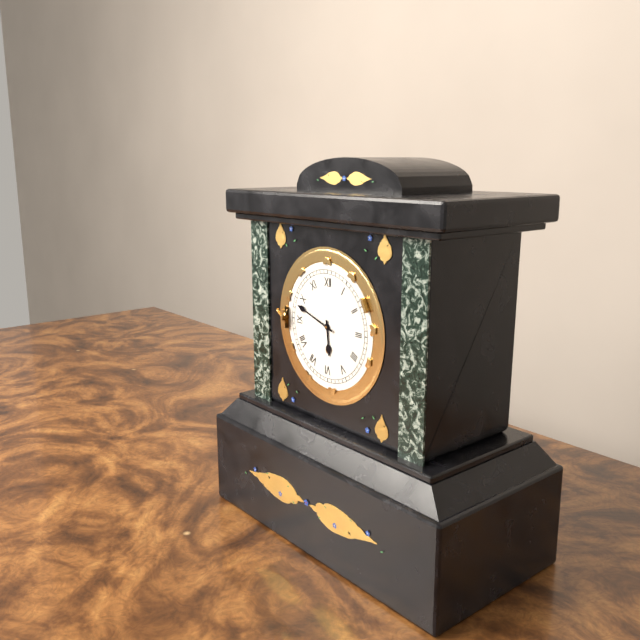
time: 5.48
